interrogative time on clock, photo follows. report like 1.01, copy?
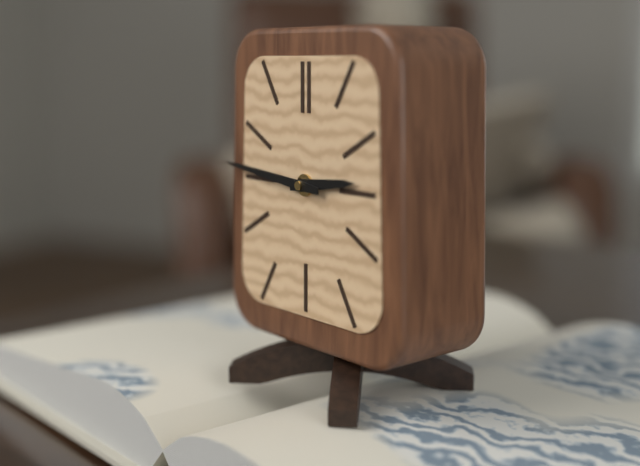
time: 2.46
